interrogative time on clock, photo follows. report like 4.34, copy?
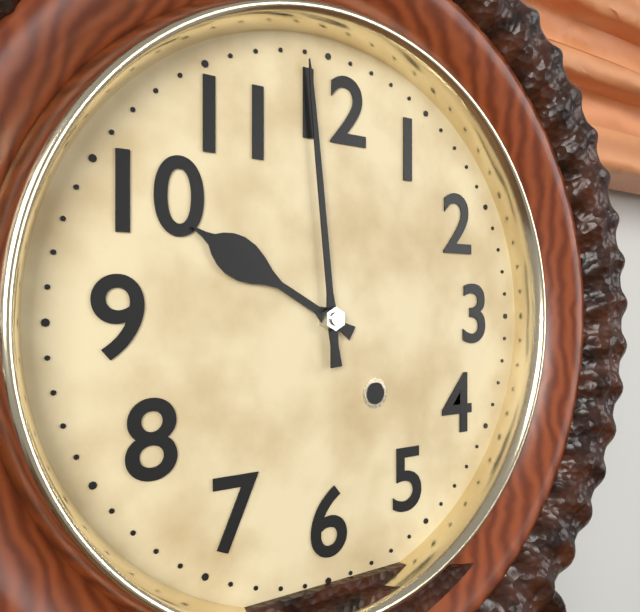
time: 9.59
